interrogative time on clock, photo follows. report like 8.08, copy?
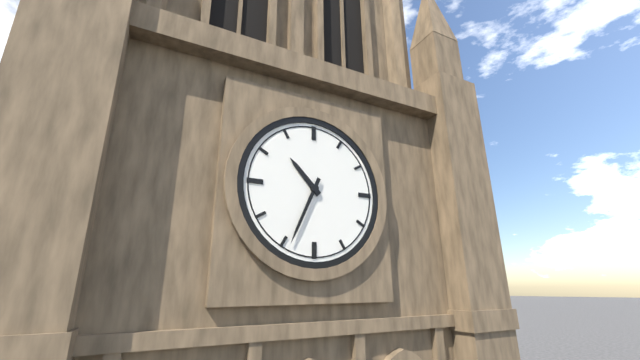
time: 10.34
